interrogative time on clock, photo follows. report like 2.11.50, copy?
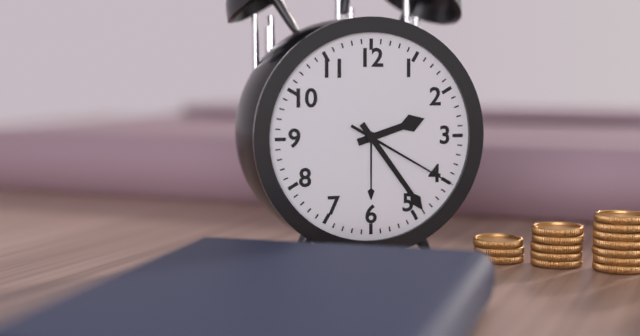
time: 2.24.20
